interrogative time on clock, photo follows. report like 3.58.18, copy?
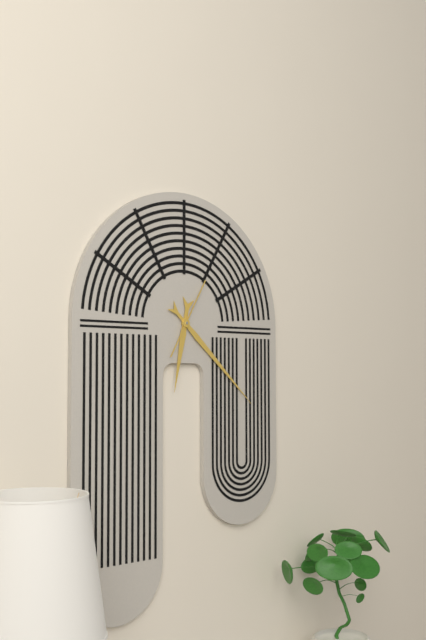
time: 6.22.05
